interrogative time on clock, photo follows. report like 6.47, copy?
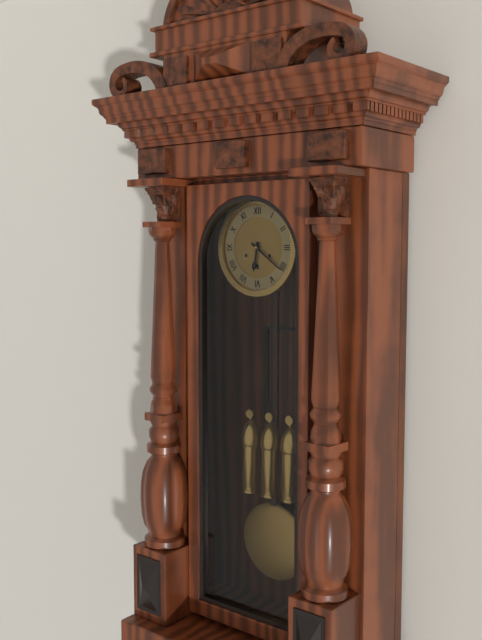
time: 6.21
